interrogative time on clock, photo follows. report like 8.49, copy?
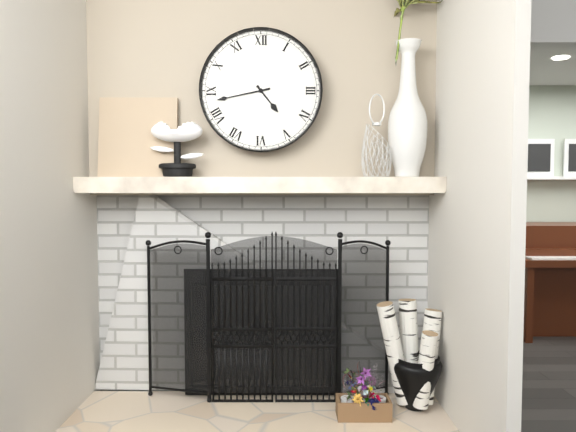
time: 4.43
